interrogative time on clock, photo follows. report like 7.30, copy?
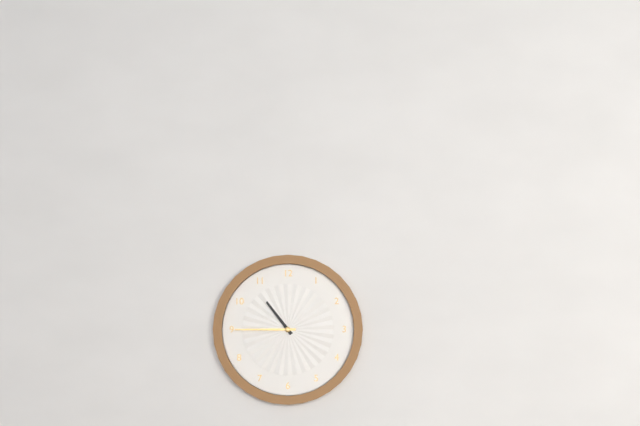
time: 10.45
